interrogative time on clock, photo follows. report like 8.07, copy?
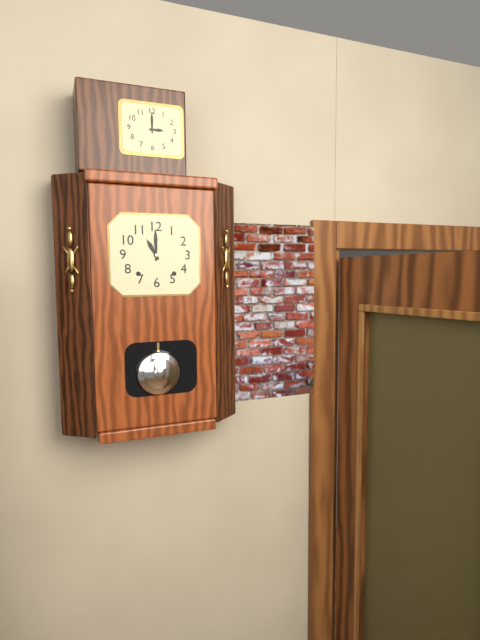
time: 11.00
